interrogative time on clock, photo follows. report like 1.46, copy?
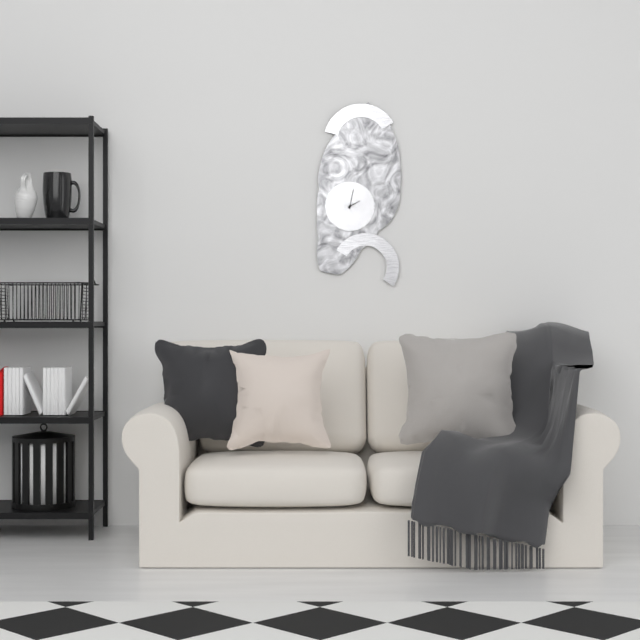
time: 2.02
